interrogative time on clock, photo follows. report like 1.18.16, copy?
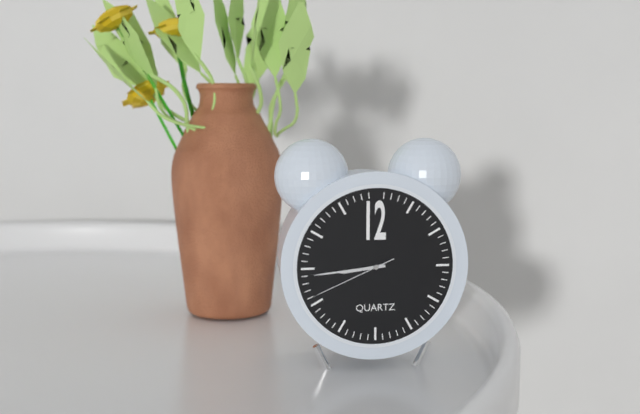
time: 8.44.41
